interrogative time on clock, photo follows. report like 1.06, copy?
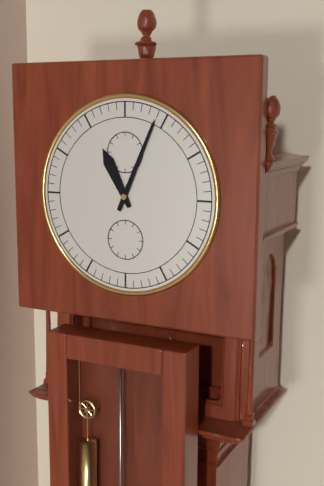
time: 11.04
